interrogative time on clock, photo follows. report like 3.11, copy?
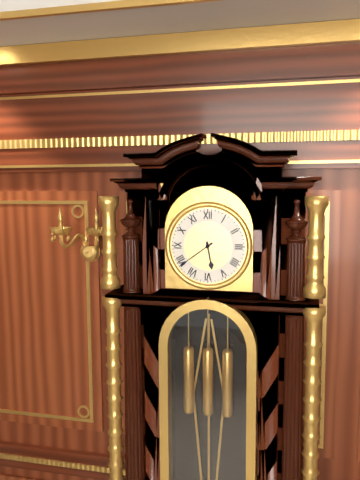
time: 5.39
